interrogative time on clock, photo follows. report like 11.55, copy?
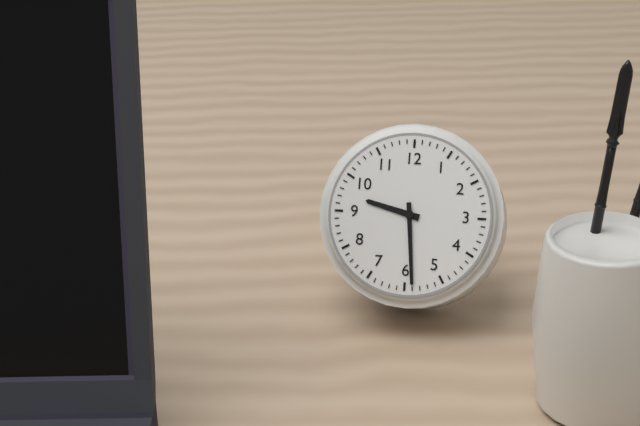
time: 9.29
